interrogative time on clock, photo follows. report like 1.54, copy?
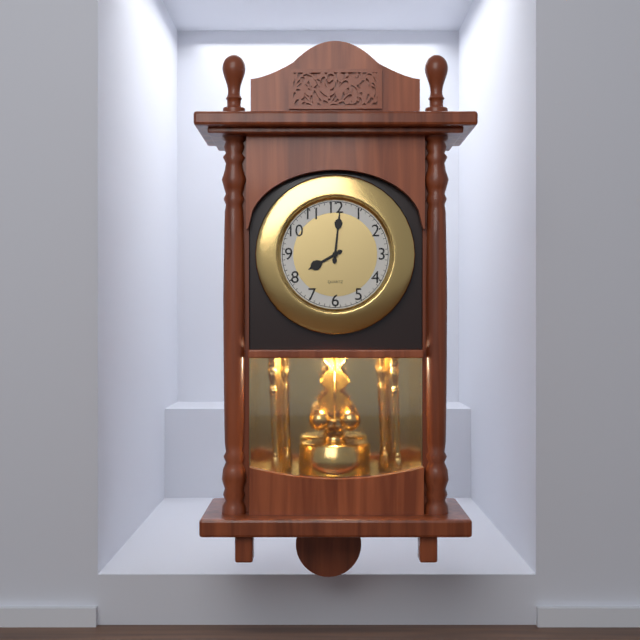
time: 8.01
